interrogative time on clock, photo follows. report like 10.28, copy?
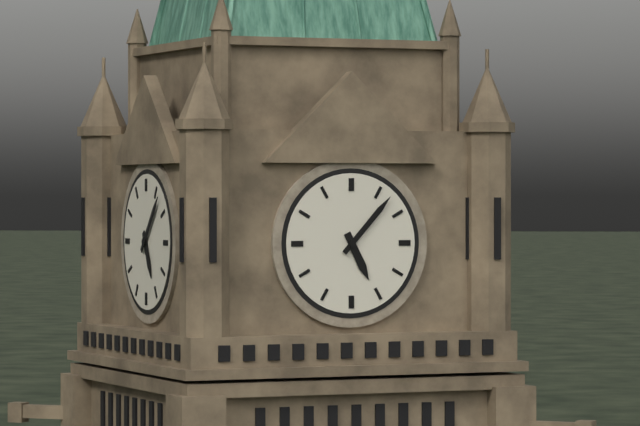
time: 5.07
